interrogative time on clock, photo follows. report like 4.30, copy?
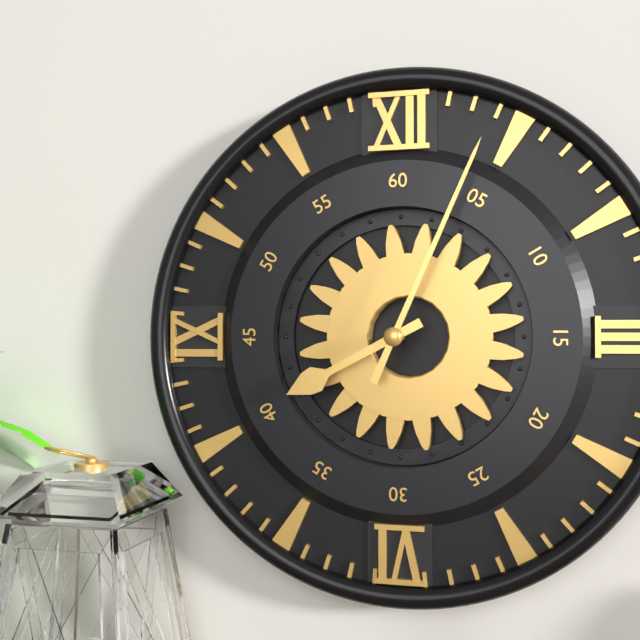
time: 8.04
